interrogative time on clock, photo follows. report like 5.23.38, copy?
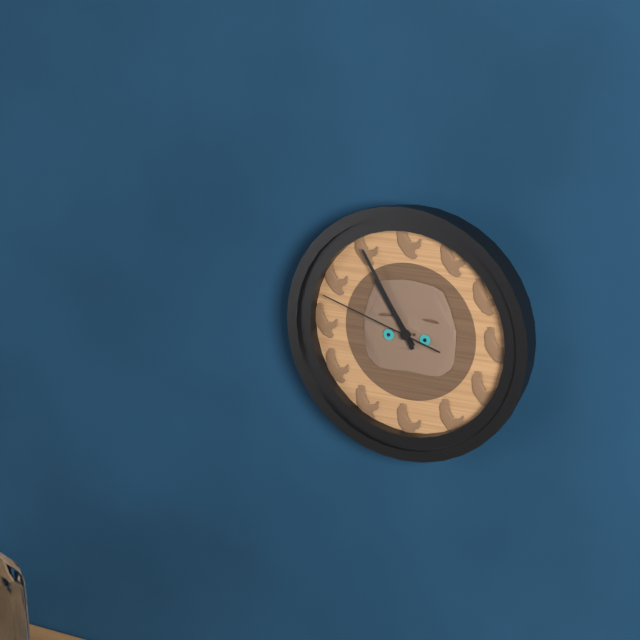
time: 10.55.48
